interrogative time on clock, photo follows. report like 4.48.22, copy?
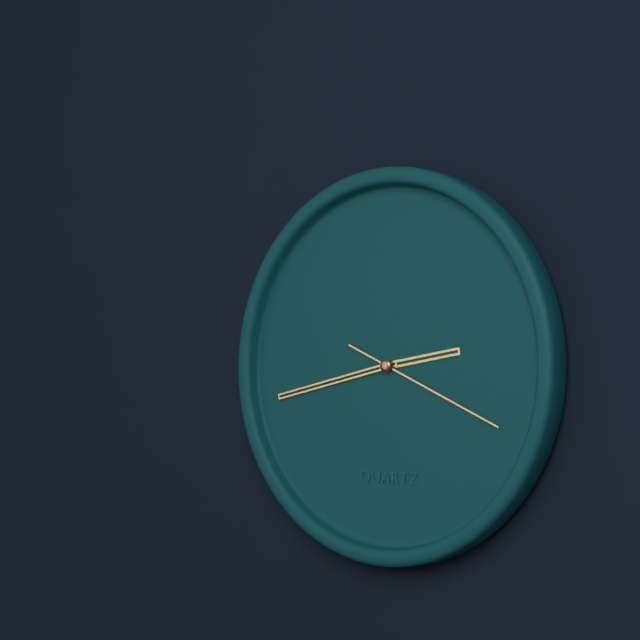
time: 2.43.19
